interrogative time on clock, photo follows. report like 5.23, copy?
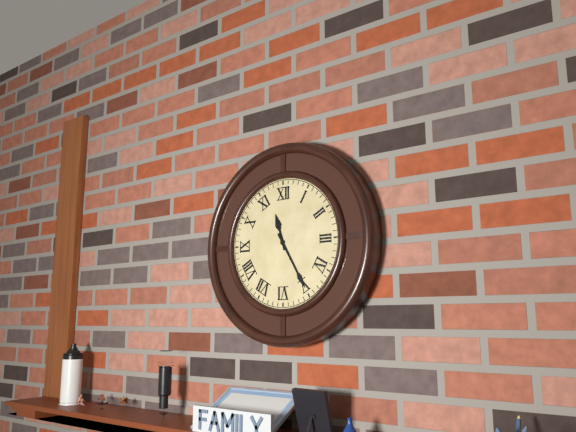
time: 11.25
